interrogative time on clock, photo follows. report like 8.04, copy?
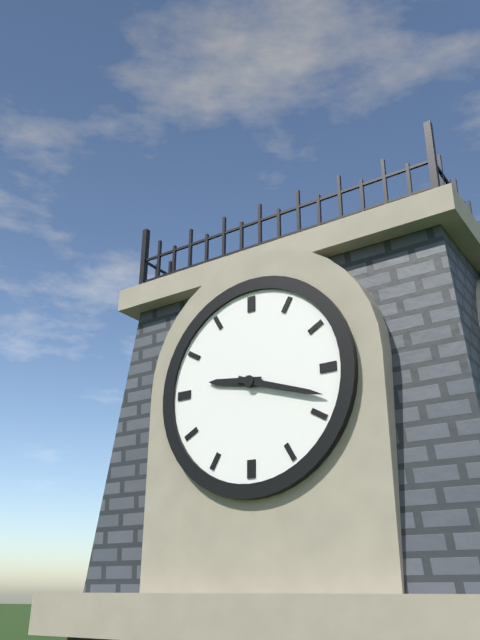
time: 9.18
